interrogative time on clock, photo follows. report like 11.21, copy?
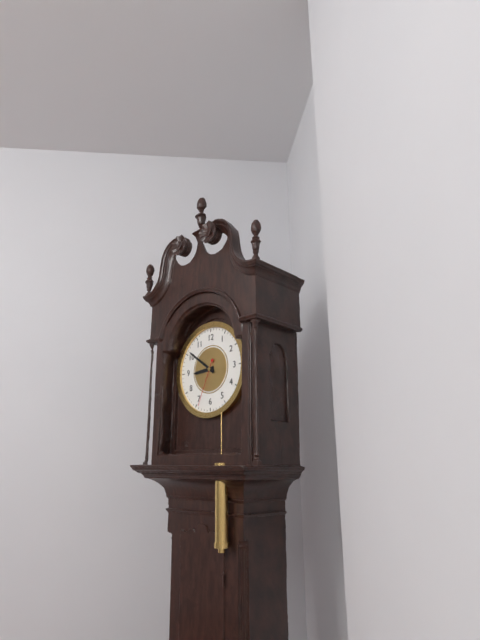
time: 8.51
